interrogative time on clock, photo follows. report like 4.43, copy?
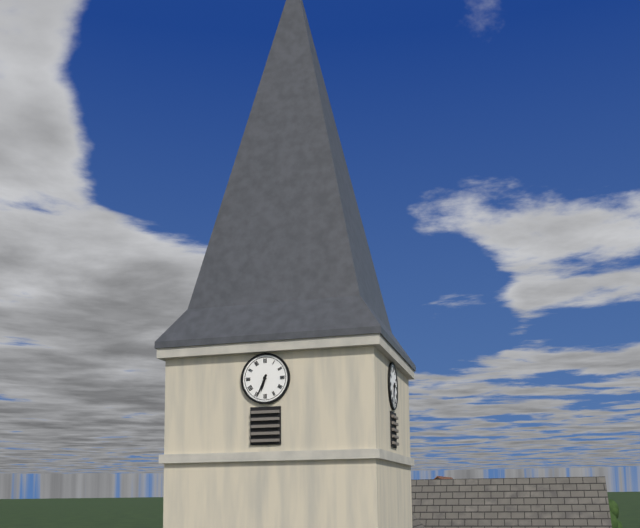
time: 6.34
